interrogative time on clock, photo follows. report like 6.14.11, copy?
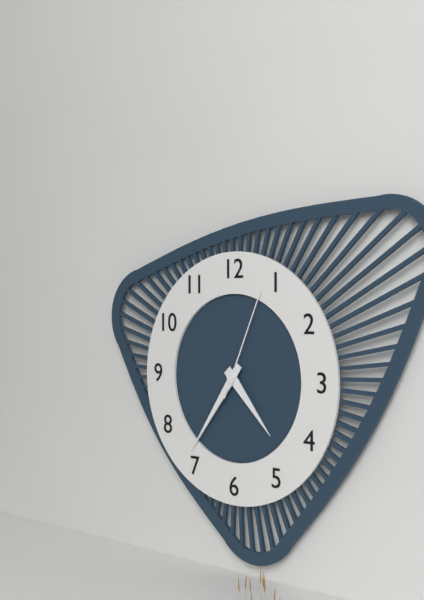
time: 4.36.04
